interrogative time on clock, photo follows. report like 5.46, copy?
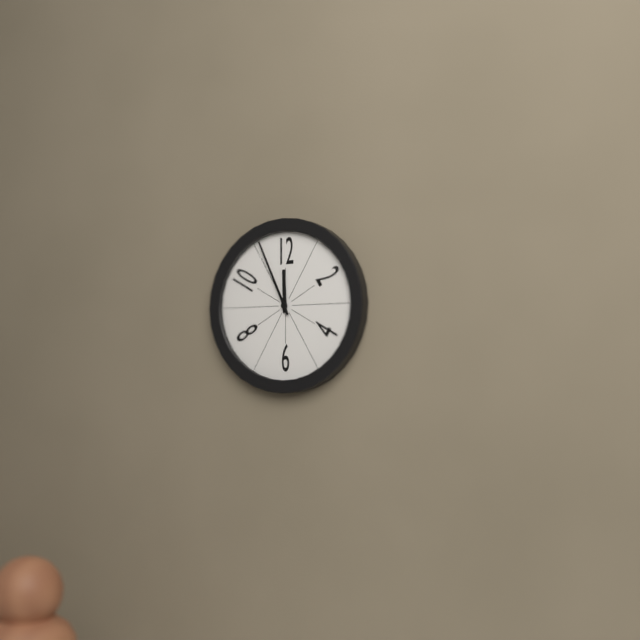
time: 11.56
